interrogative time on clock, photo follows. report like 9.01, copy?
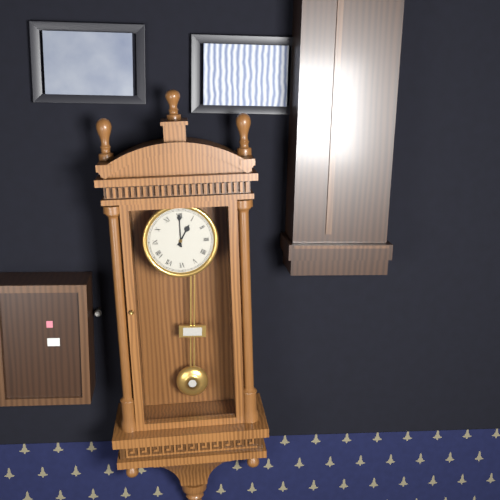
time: 1.00
